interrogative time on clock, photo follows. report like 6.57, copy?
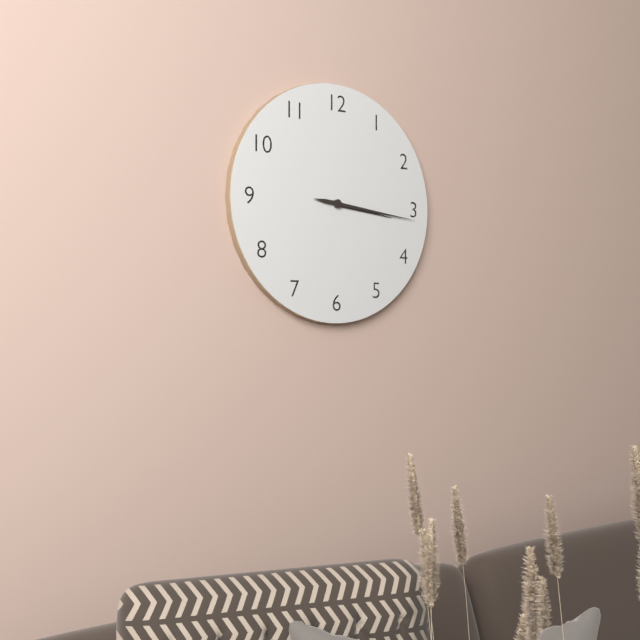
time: 3.16
